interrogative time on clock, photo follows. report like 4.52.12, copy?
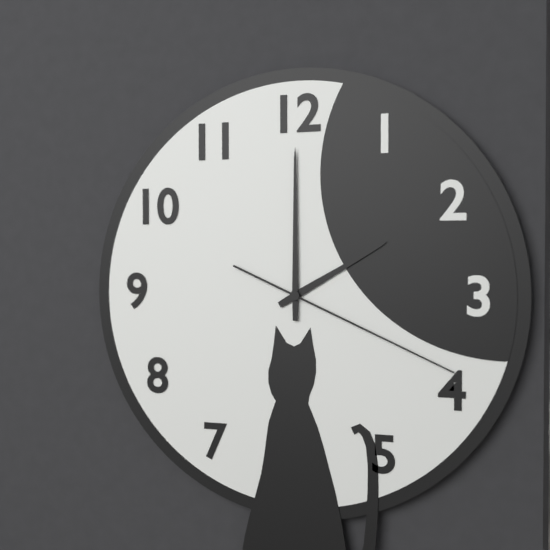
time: 2.00.19
